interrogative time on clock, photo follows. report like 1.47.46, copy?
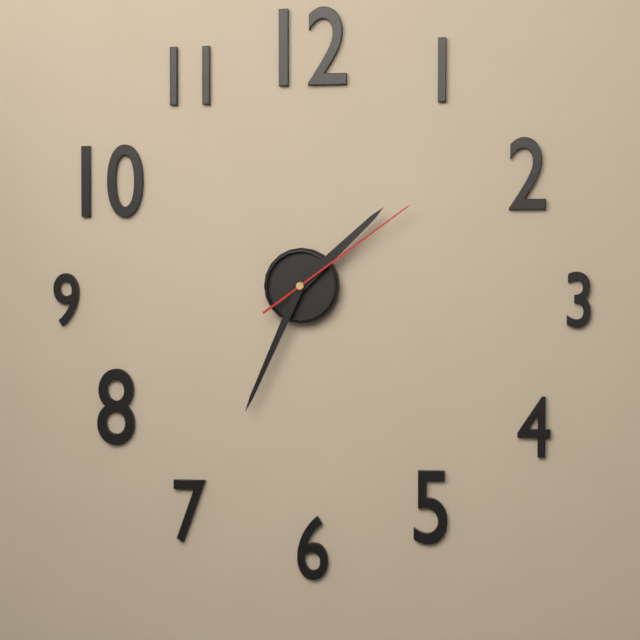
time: 1.34.09
